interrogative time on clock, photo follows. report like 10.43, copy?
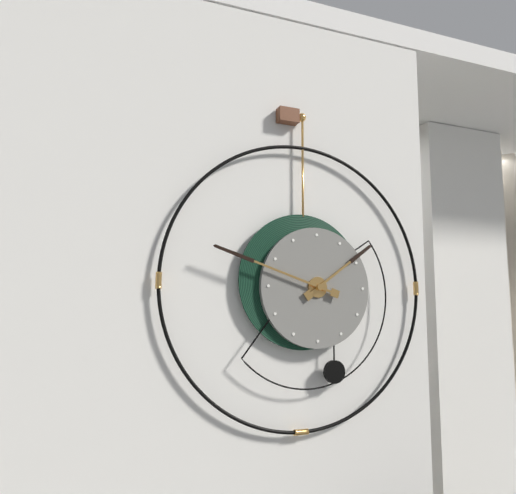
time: 1.48
